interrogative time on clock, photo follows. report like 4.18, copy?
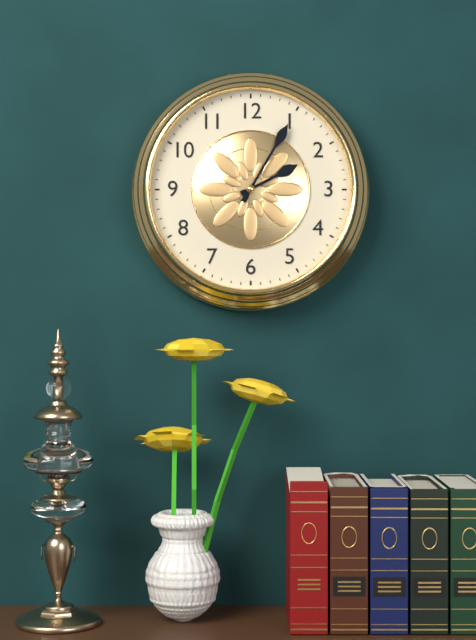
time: 2.05
